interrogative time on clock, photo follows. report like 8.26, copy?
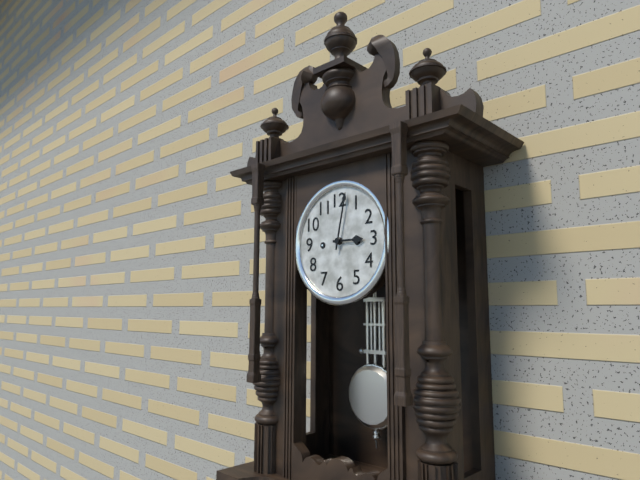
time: 3.02
